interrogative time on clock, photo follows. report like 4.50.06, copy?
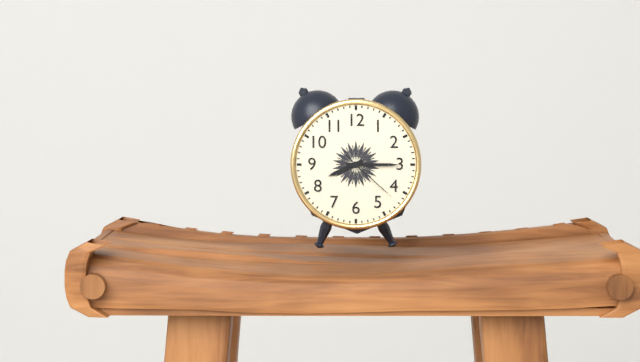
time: 8.15.22
